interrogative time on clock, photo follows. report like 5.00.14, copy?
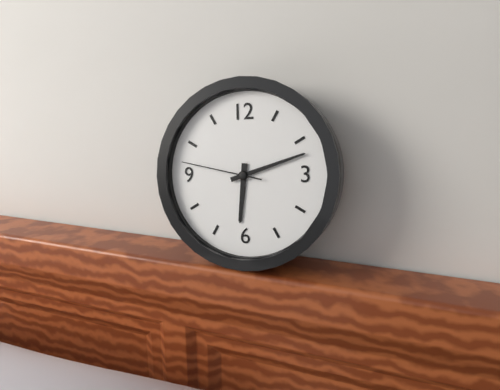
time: 6.12.47
